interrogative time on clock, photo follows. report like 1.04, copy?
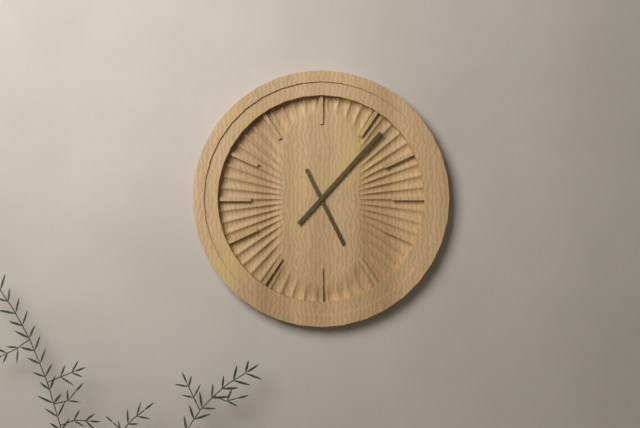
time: 5.07
